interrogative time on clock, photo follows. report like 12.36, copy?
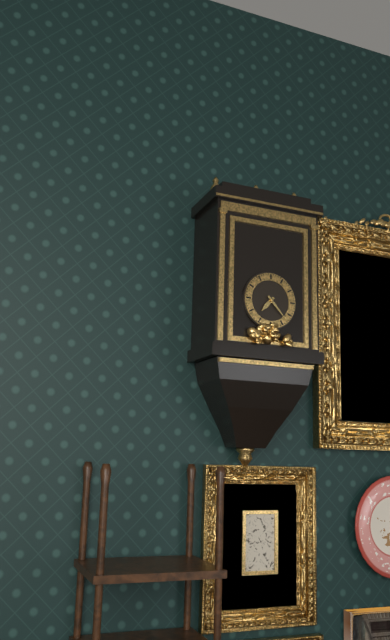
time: 7.23
